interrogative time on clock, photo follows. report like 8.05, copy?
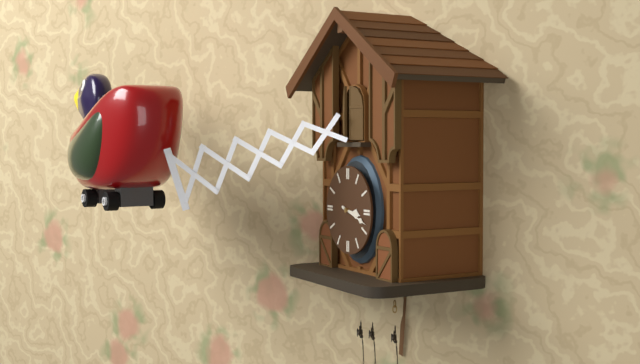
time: 3.18
